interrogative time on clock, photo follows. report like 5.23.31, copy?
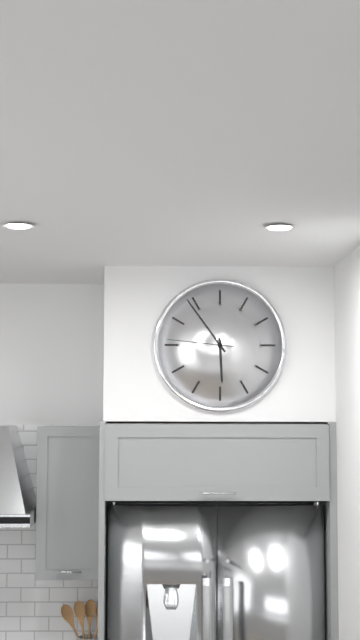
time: 5.54.46
